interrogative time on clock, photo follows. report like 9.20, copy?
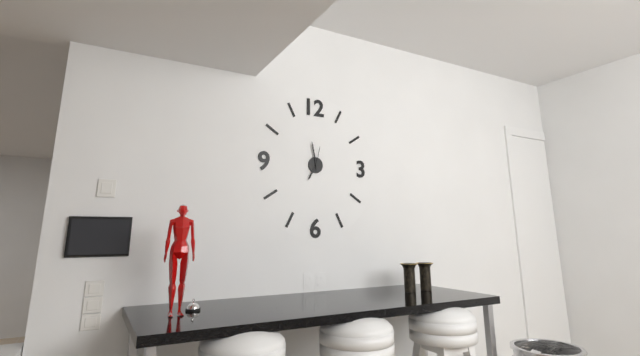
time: 6.58
